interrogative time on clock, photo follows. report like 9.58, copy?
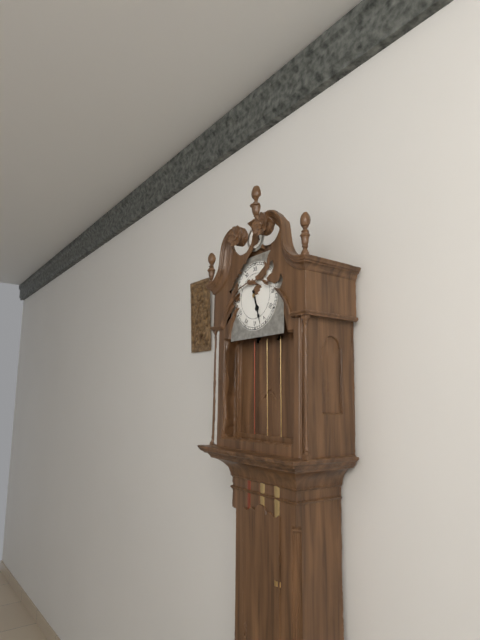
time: 5.27
